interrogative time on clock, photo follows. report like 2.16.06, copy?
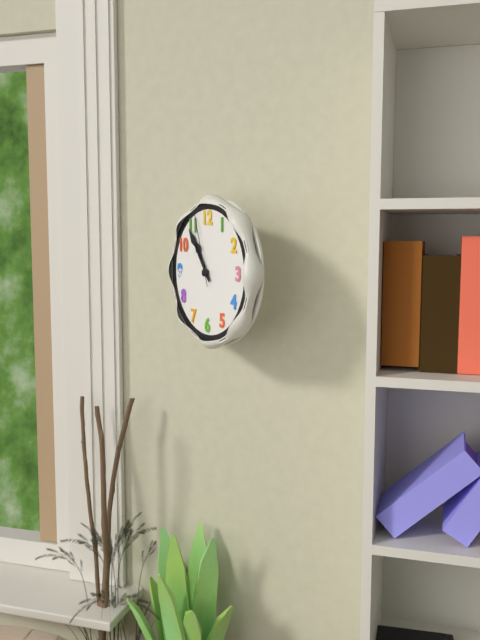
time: 10.54.57
